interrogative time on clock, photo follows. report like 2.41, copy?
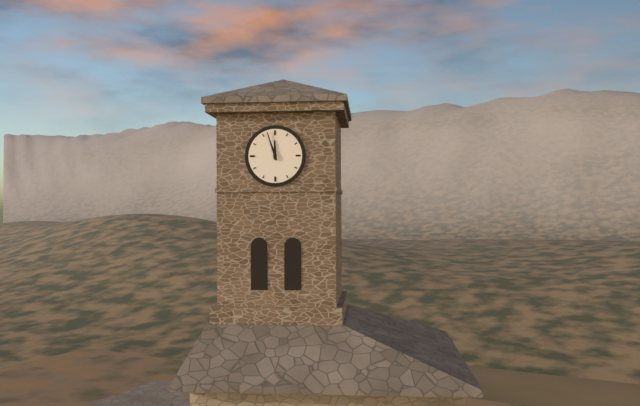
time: 11.57
